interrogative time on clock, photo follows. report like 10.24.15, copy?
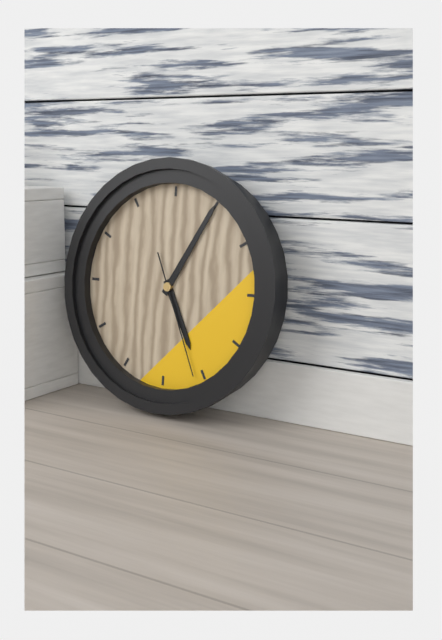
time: 5.05.26
